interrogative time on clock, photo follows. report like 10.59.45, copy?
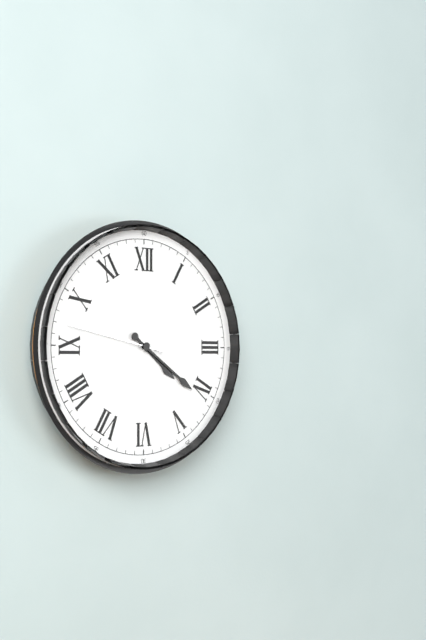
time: 4.21.47
